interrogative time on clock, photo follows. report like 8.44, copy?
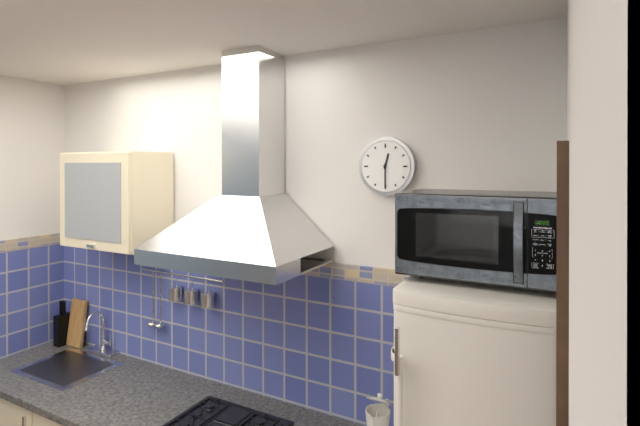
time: 12.30
